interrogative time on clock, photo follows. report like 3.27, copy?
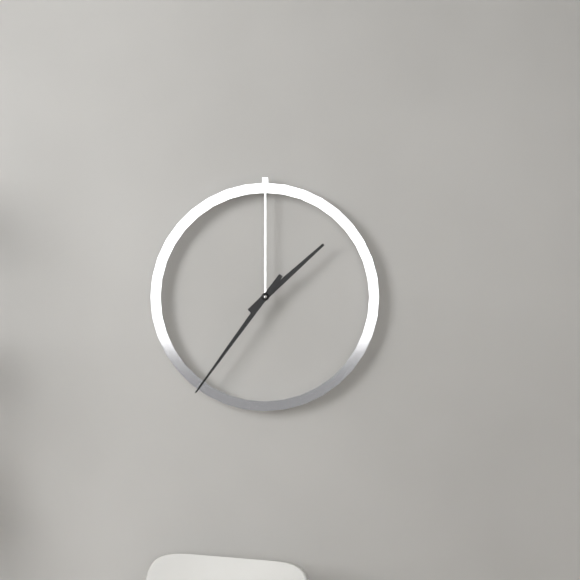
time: 1.36
